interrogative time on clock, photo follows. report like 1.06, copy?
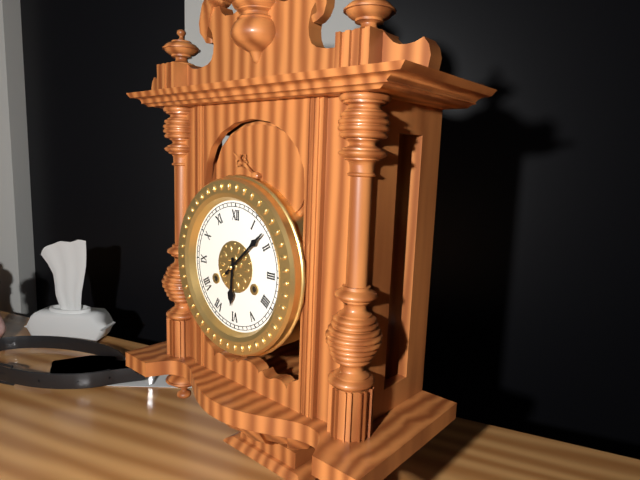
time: 6.08
